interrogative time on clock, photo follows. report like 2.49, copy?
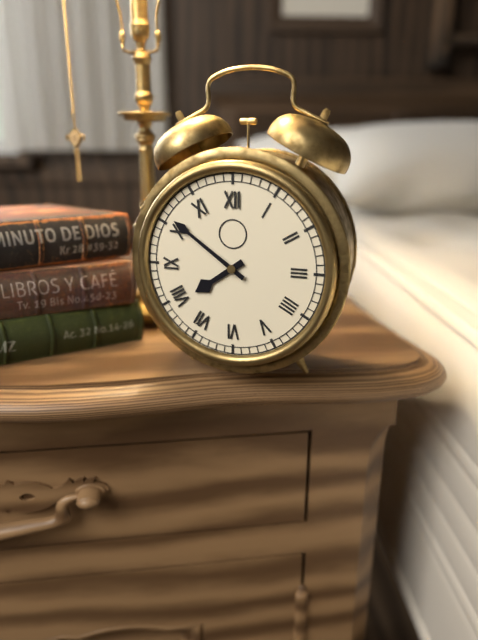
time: 7.51
